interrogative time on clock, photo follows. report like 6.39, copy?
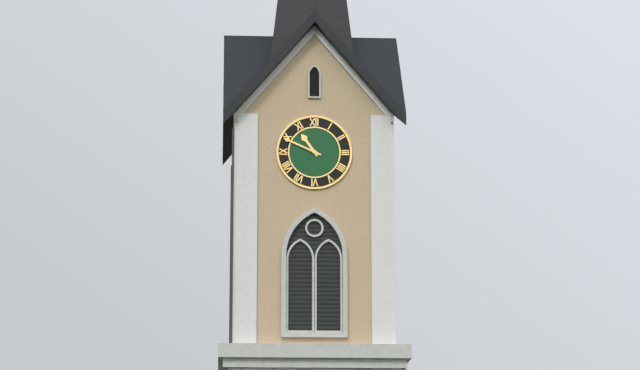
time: 10.49
